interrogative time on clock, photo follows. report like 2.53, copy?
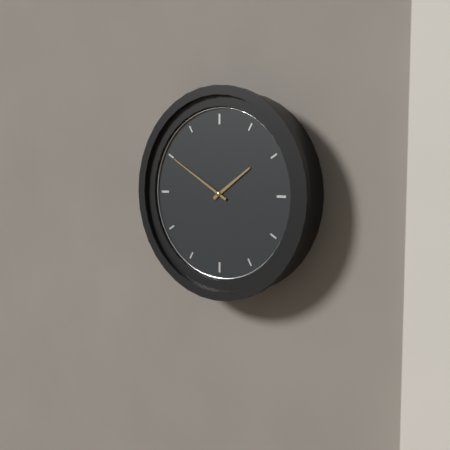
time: 1.50
